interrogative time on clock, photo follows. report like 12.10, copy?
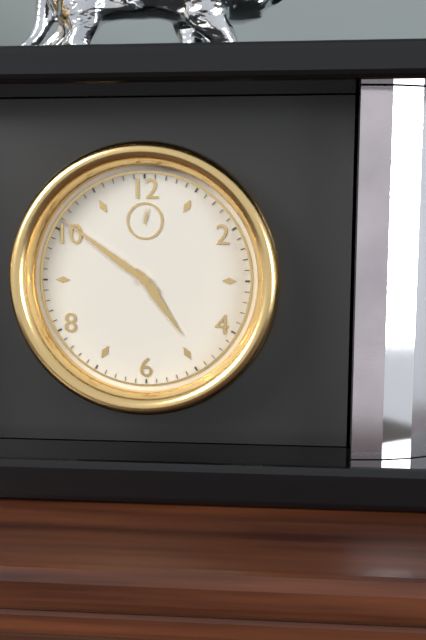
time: 4.51
